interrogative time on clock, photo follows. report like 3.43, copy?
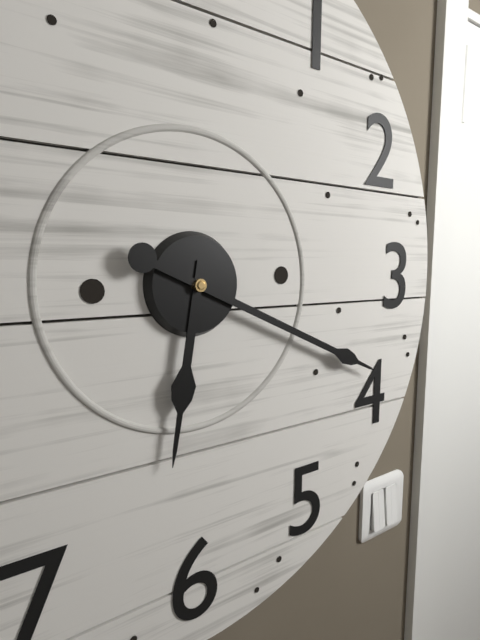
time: 6.19
